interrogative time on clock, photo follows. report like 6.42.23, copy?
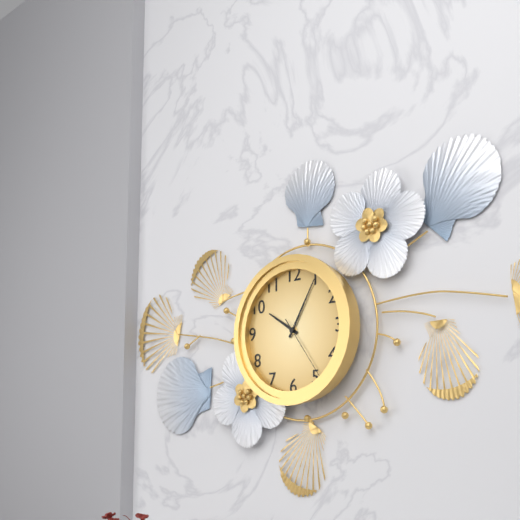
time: 10.05.24
